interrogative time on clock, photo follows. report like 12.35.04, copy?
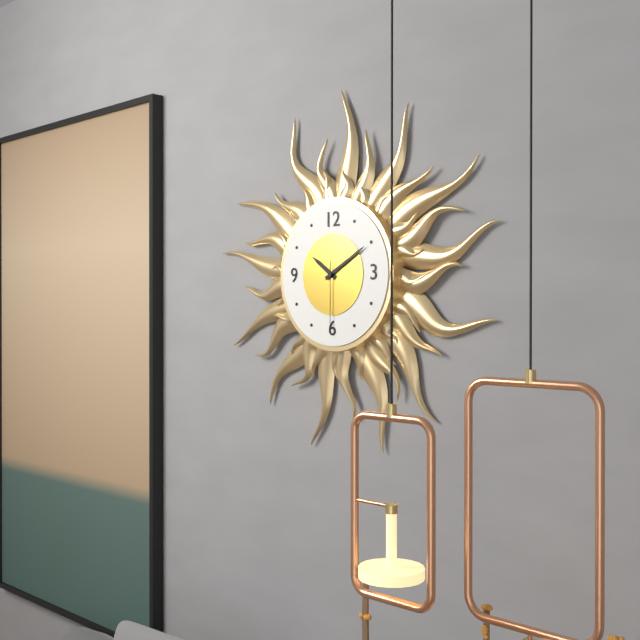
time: 10.10.30
